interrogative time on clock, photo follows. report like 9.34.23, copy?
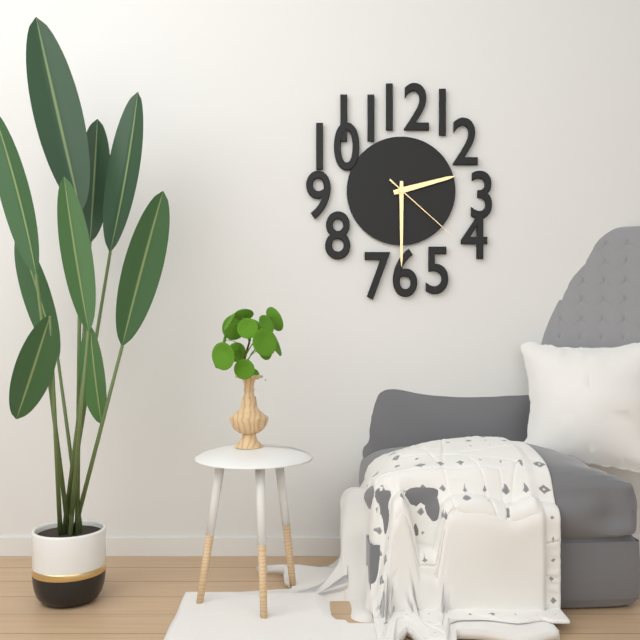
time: 2.30.22
